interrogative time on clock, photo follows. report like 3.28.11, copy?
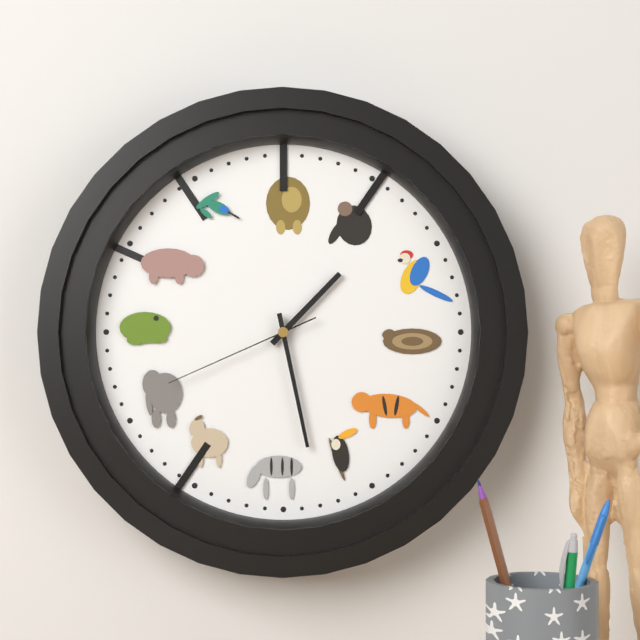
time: 1.28.41
